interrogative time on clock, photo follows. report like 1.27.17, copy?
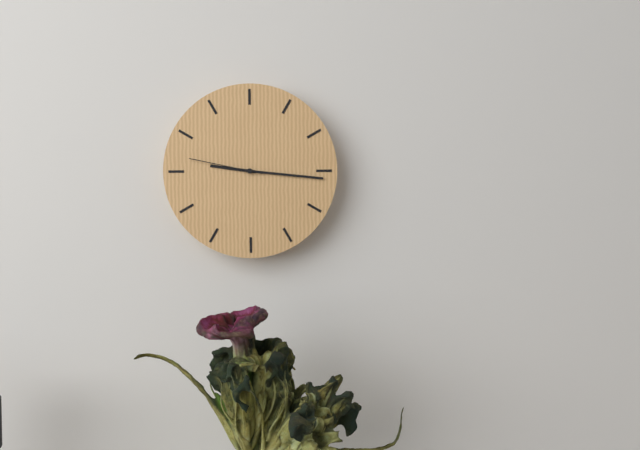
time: 9.16.47
